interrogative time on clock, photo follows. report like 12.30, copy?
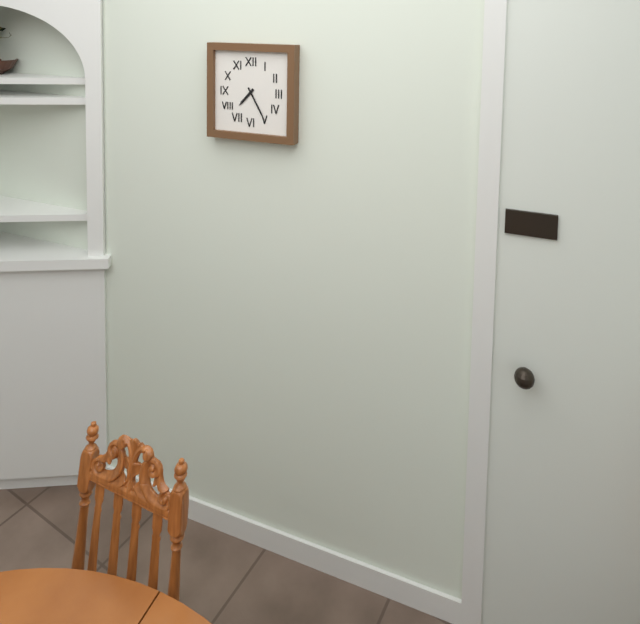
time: 7.25
